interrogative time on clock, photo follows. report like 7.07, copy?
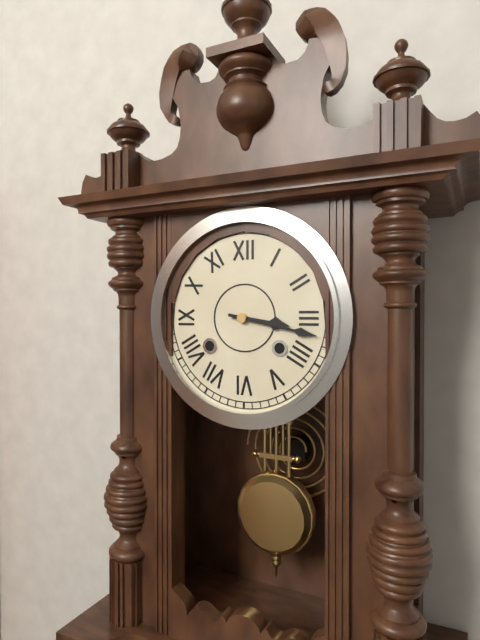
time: 3.17
